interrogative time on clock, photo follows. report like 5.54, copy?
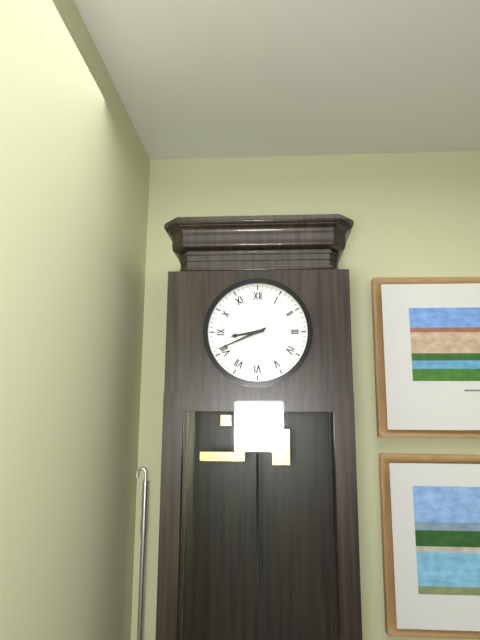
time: 8.41
